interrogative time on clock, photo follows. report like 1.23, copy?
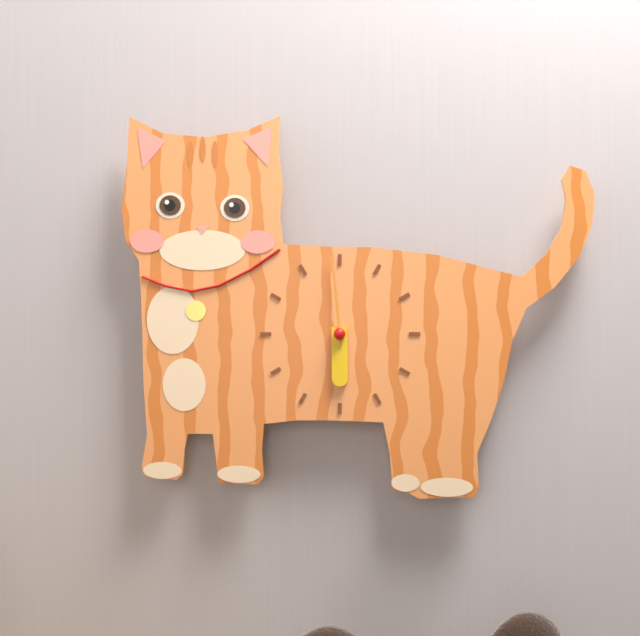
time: 5.59
